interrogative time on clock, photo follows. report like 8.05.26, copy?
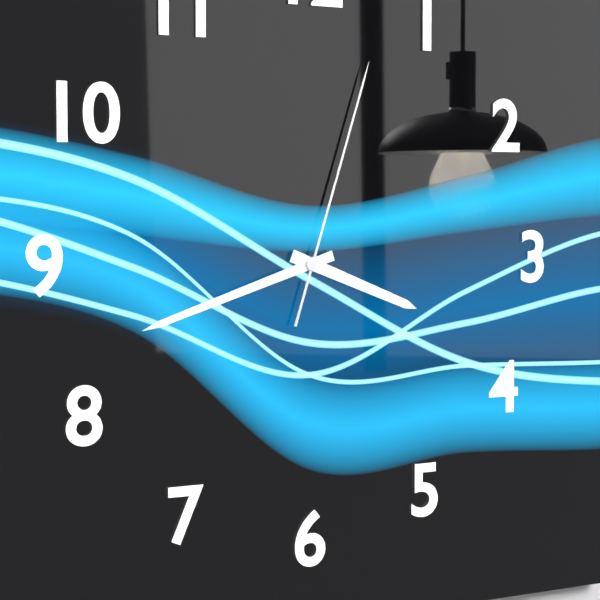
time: 3.42.03
